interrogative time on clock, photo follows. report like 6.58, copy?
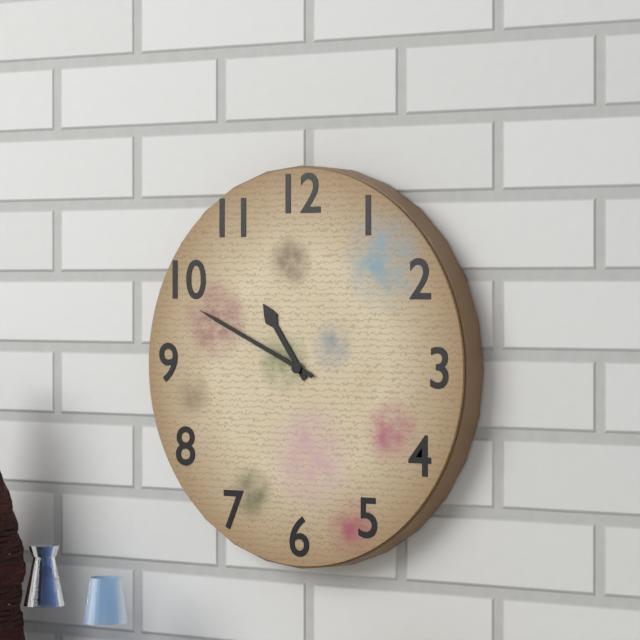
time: 10.49
